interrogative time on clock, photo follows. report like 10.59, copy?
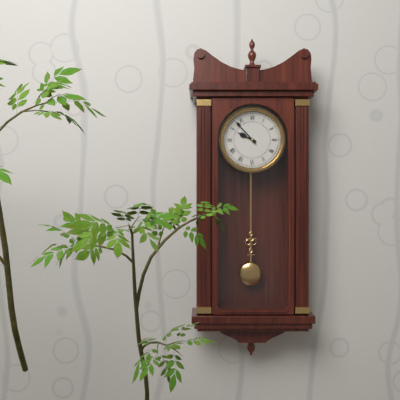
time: 9.53
